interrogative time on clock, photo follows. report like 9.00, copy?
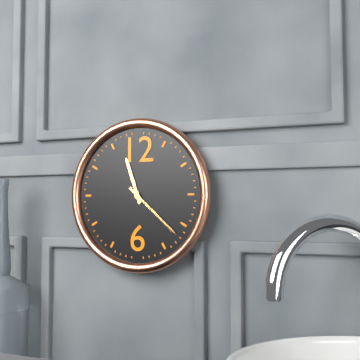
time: 11.22
